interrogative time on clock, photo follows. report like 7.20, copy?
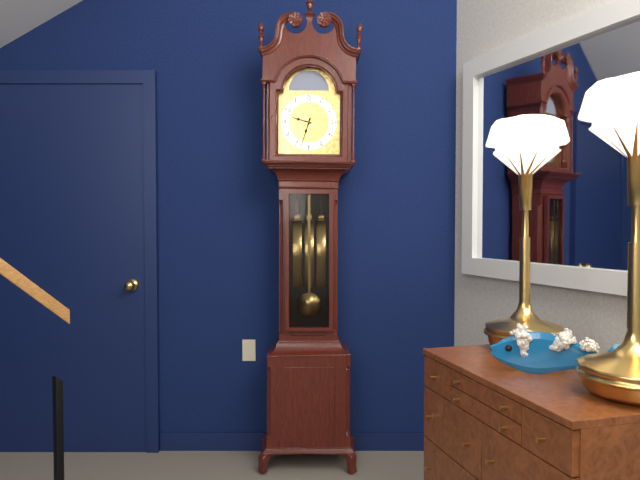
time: 9.33
